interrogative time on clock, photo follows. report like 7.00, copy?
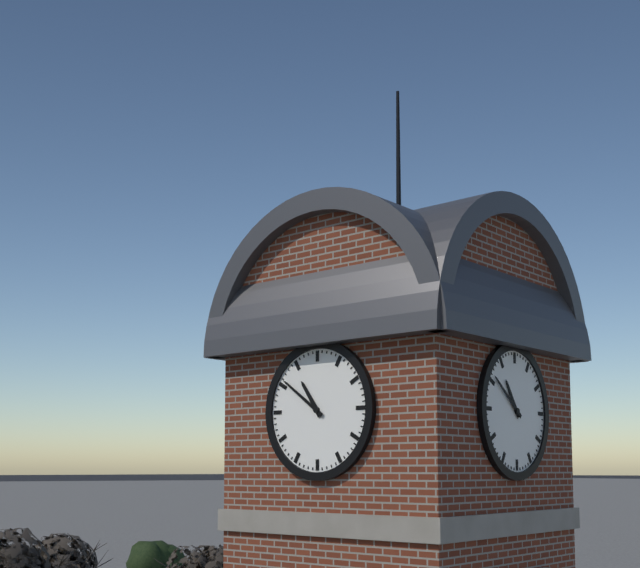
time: 10.51
